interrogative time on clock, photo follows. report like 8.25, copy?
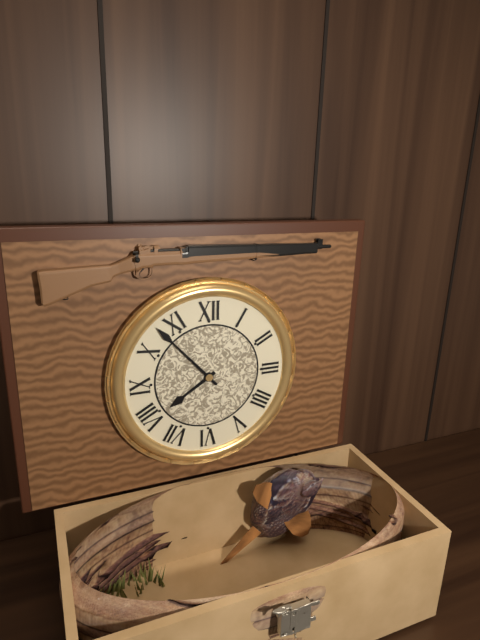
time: 7.53
